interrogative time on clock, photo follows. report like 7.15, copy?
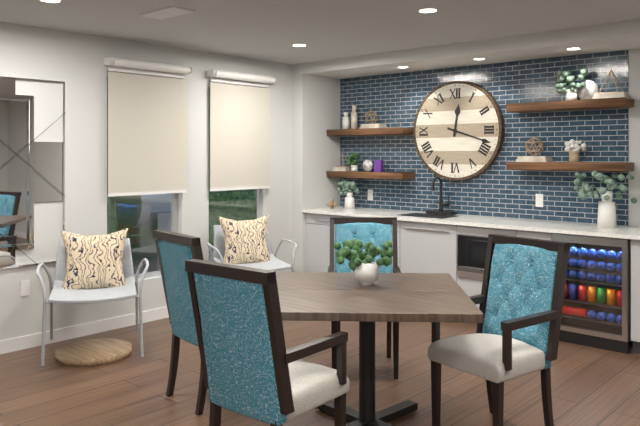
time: 12.18
